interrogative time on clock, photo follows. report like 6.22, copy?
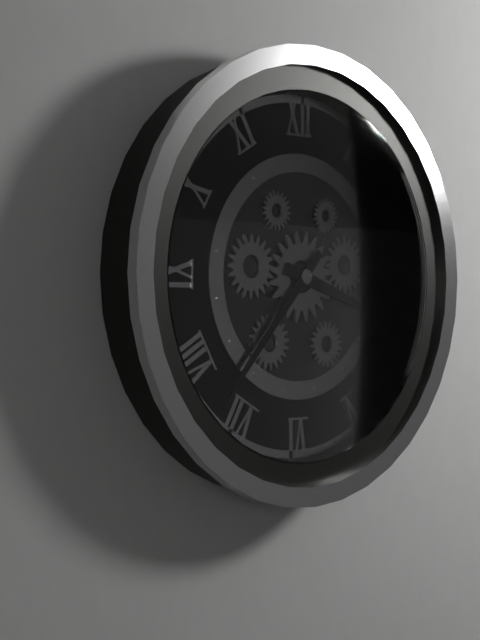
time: 3.37
